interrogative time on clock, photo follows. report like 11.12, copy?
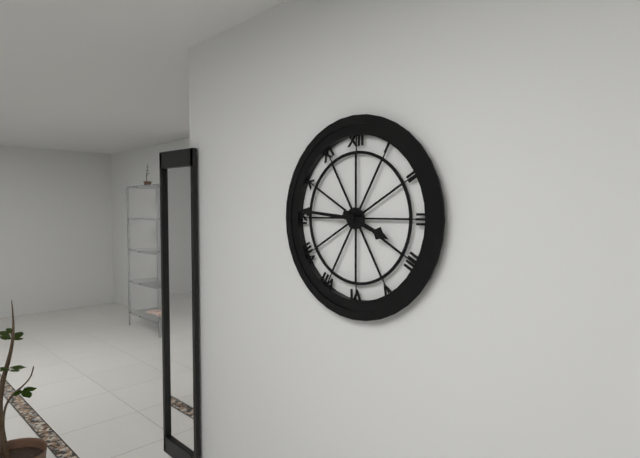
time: 3.46
